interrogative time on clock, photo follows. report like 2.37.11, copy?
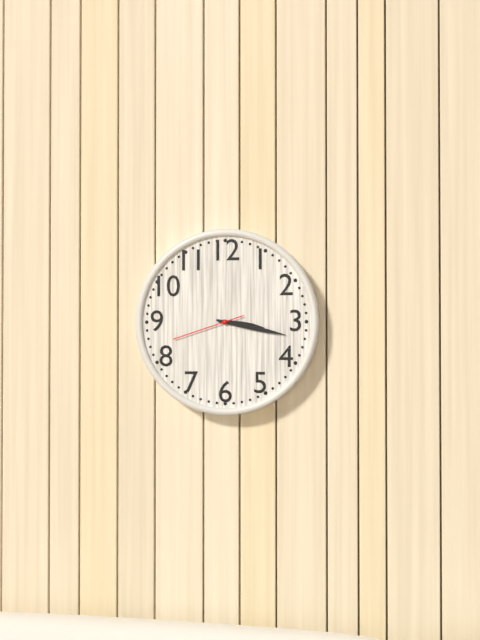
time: 3.17.42
